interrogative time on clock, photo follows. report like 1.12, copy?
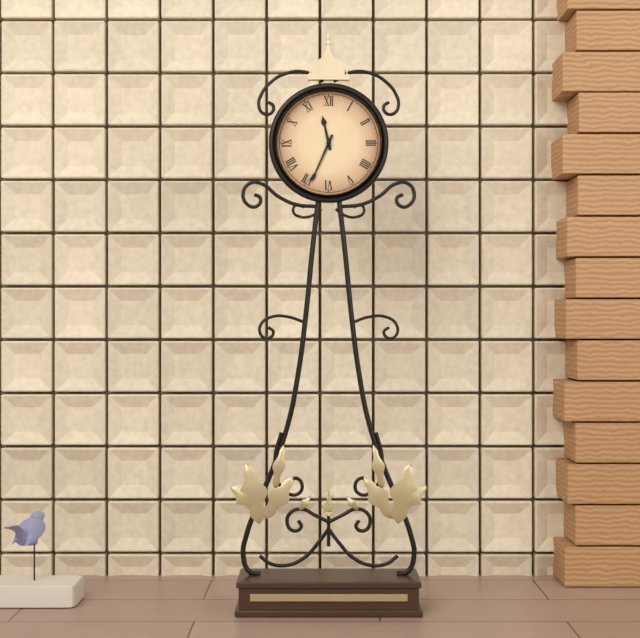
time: 11.34
